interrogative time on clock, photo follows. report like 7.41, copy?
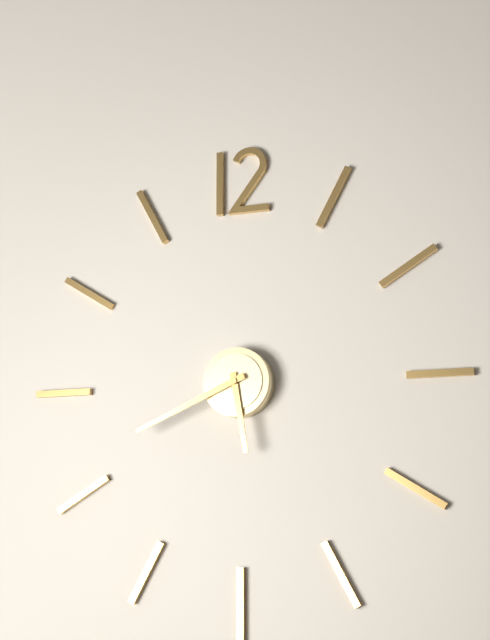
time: 5.41
